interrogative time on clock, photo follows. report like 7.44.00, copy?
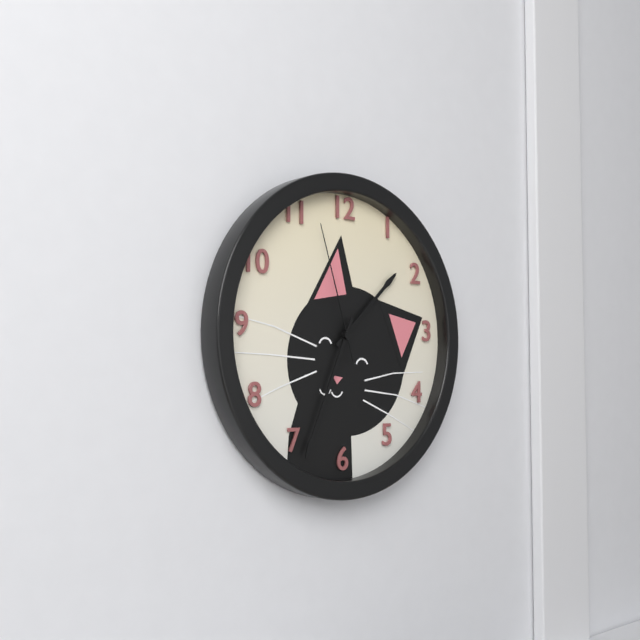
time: 1.34.57
